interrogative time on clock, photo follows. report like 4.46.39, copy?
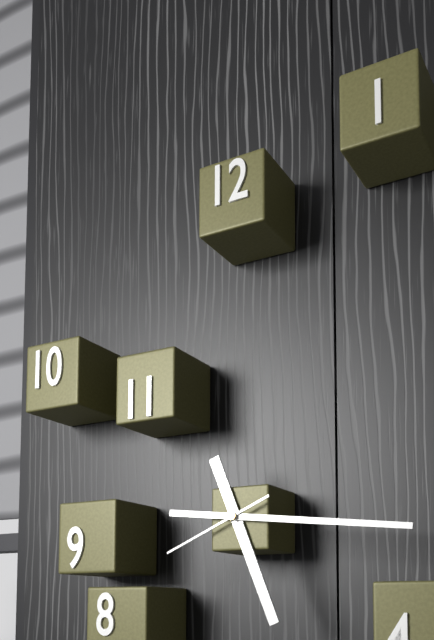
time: 5.16.41
